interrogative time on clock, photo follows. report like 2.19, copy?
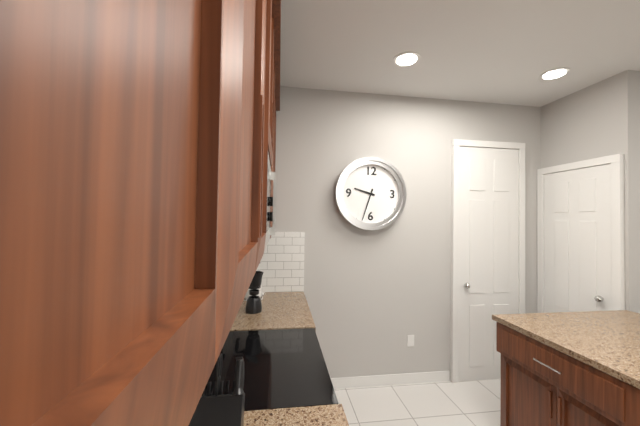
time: 9.33
